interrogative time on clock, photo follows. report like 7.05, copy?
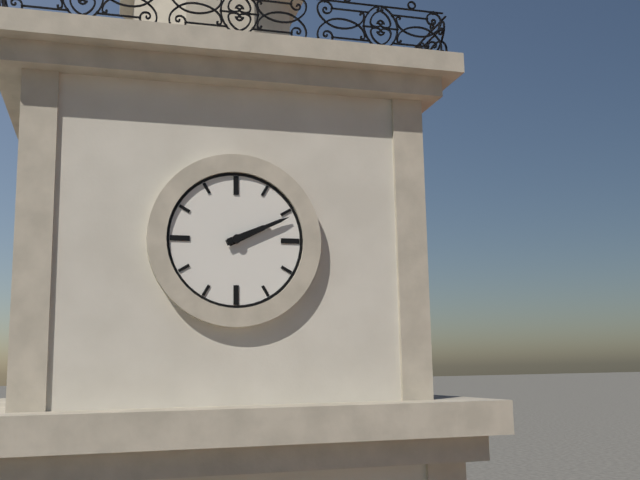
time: 2.11
